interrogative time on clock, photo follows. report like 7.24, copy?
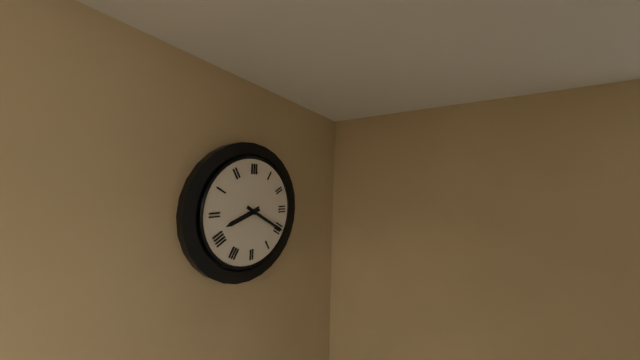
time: 8.20
